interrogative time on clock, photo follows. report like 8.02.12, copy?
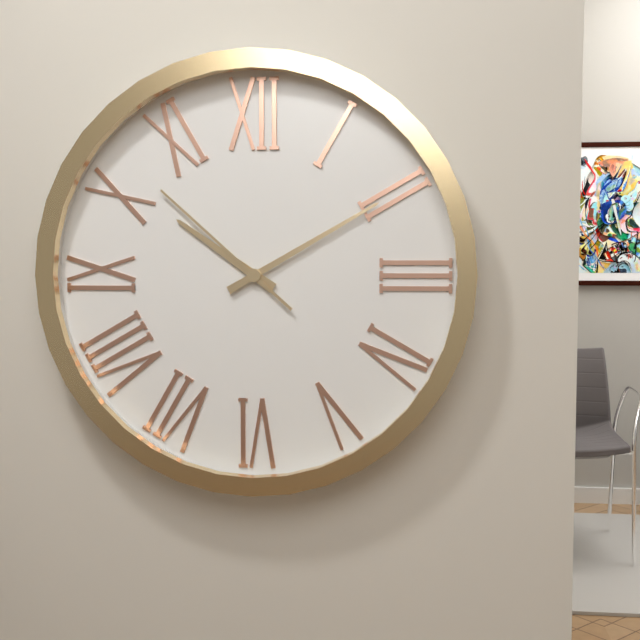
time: 10.10.52
